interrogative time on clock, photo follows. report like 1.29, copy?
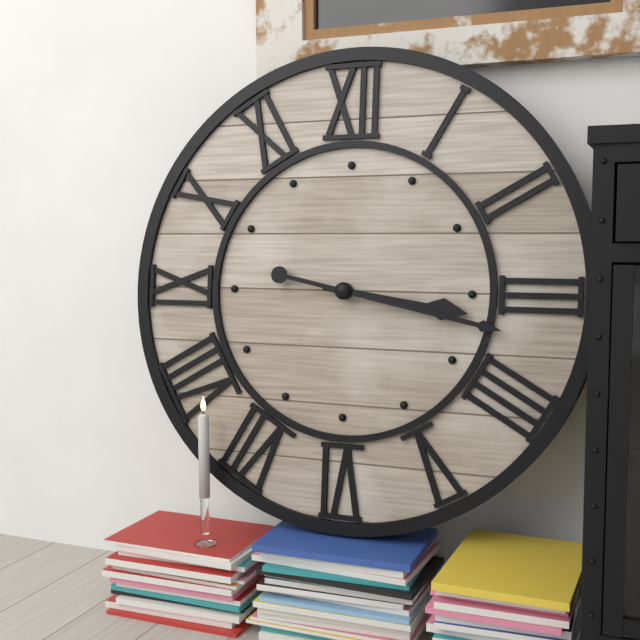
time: 3.17
